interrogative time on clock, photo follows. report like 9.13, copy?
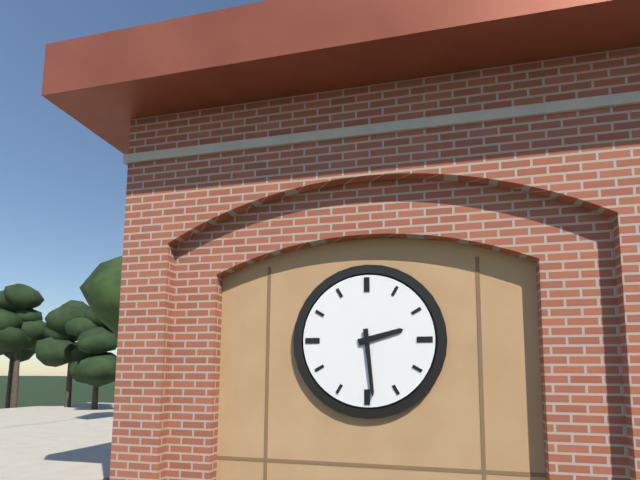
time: 2.29
